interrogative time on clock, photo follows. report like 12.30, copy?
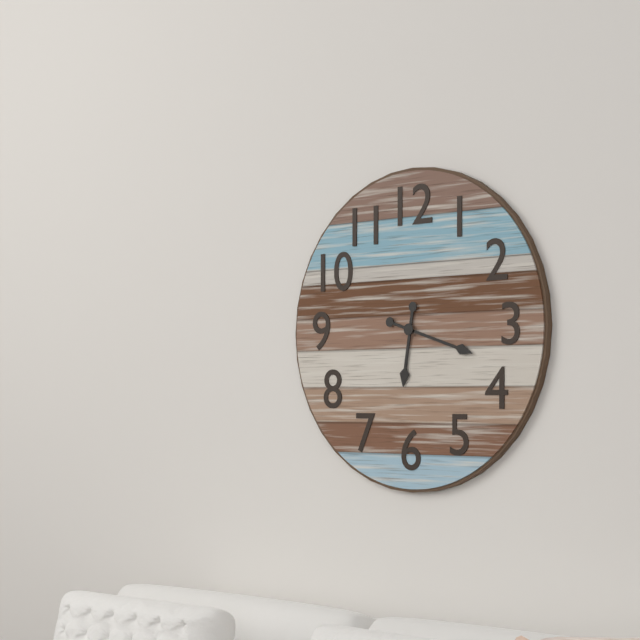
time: 6.18
